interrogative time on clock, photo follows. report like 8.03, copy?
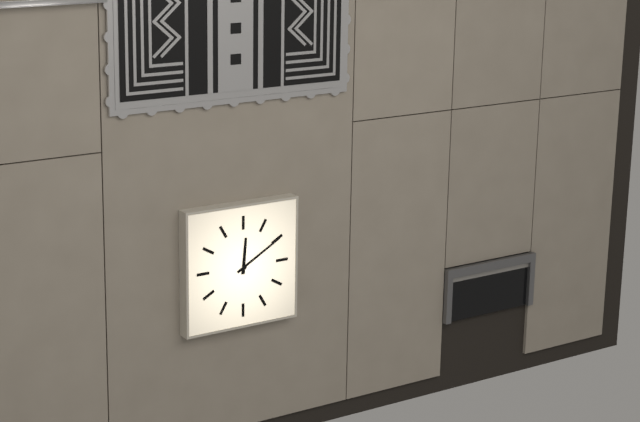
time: 12.10
